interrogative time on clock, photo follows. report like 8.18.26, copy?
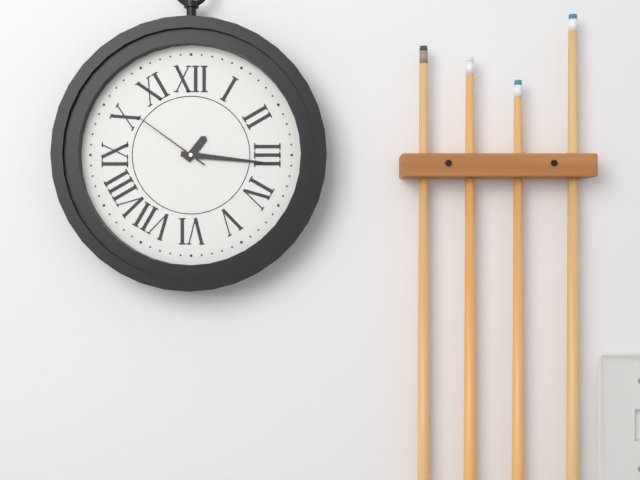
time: 1.16.51
